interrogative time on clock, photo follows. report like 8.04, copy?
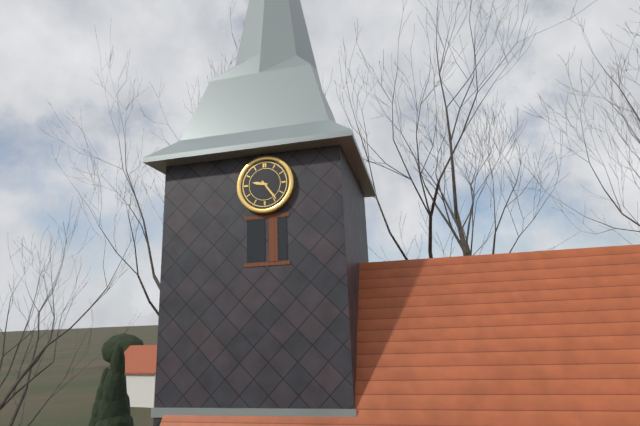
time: 9.24
